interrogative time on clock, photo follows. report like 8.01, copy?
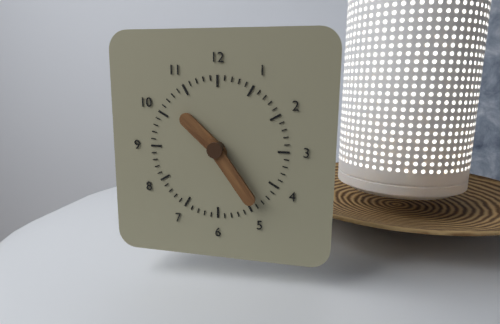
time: 10.24
